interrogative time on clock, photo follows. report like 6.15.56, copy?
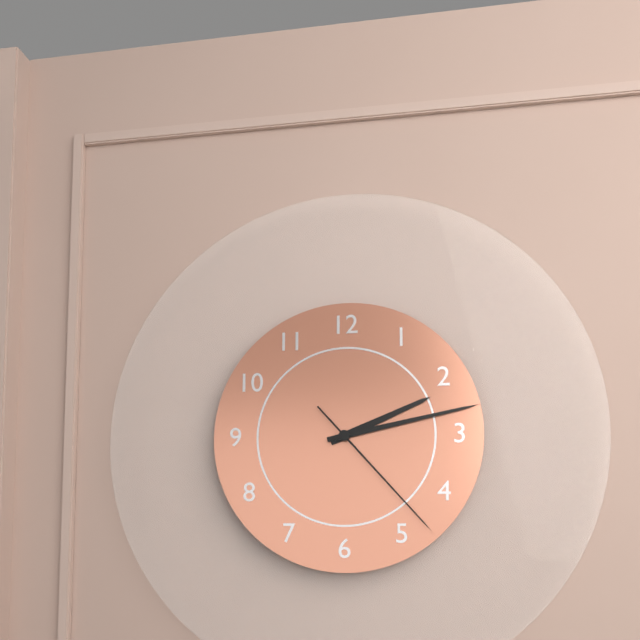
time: 2.13.23
